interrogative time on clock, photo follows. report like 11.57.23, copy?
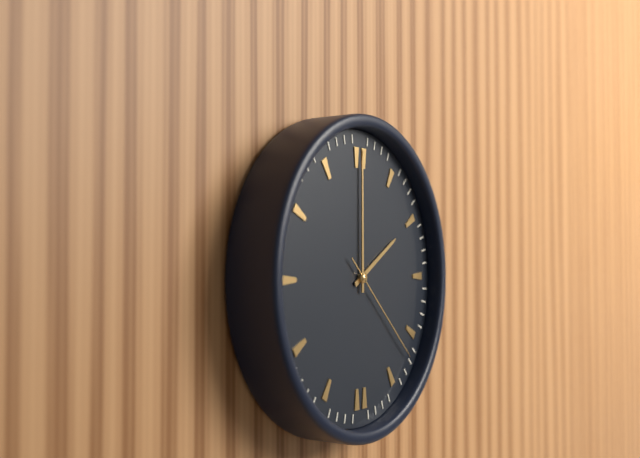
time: 2.00.22
